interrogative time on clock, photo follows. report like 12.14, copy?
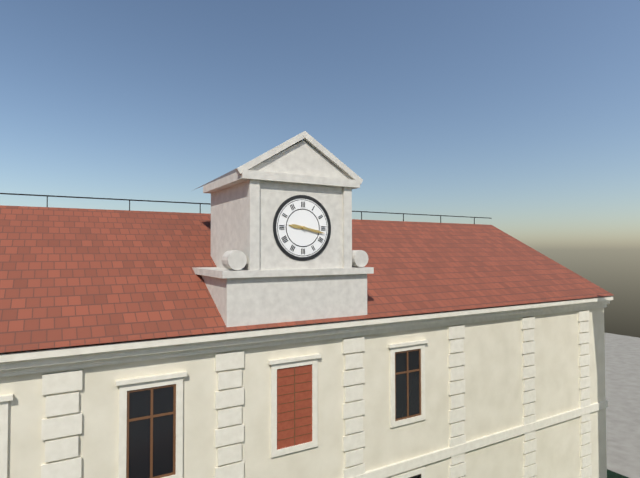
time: 9.17
